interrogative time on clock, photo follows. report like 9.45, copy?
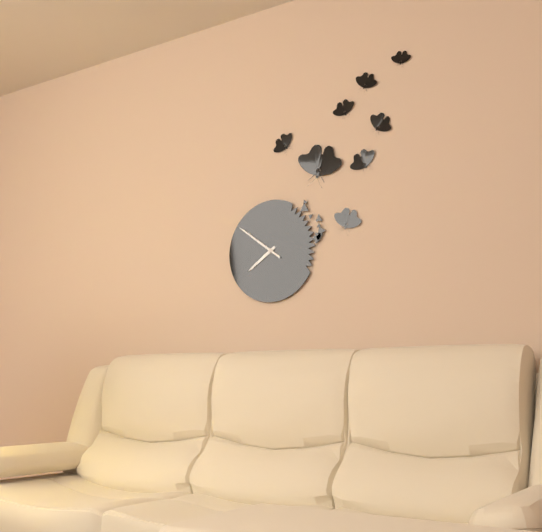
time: 7.51
